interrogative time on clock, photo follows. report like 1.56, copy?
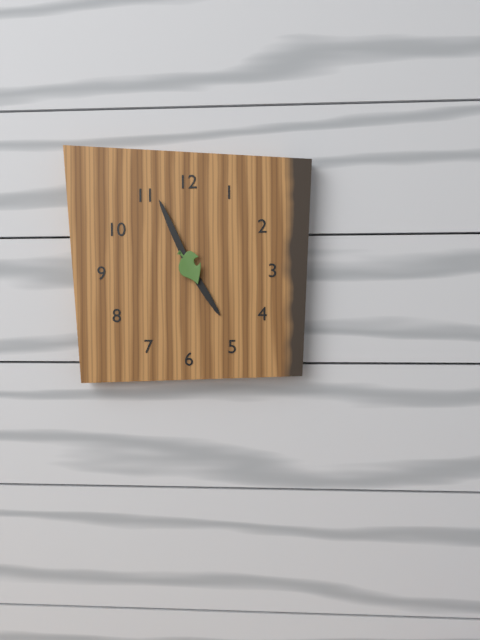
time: 4.56
